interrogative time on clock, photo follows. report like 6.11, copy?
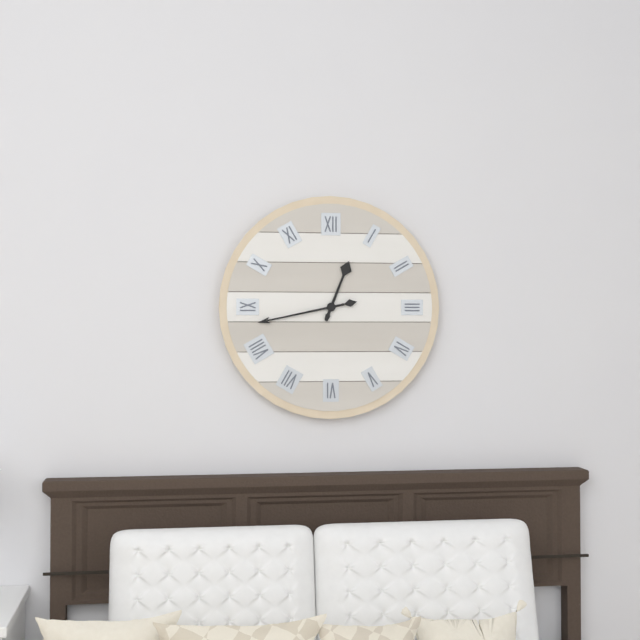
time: 12.43
